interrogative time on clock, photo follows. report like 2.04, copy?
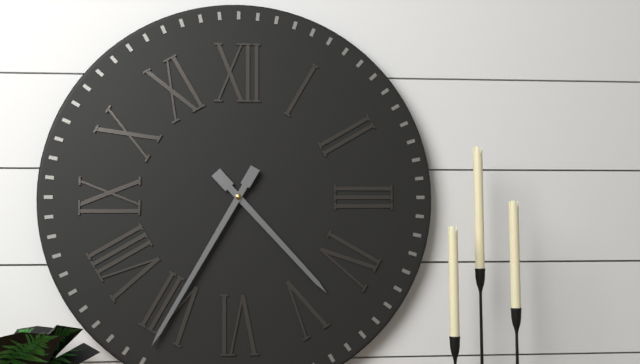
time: 4.35
